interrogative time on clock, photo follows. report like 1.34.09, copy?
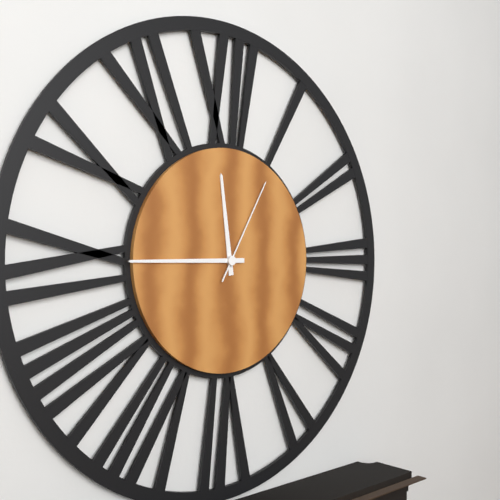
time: 11.45.05
